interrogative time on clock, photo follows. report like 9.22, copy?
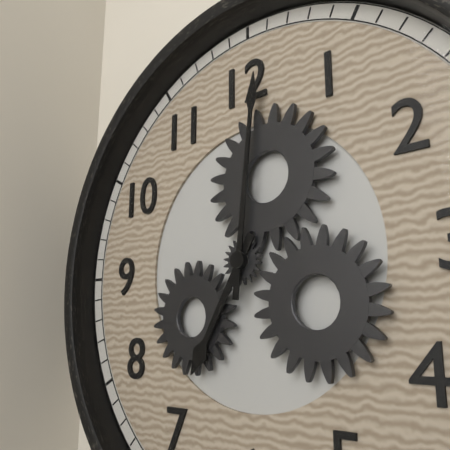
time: 7.01
